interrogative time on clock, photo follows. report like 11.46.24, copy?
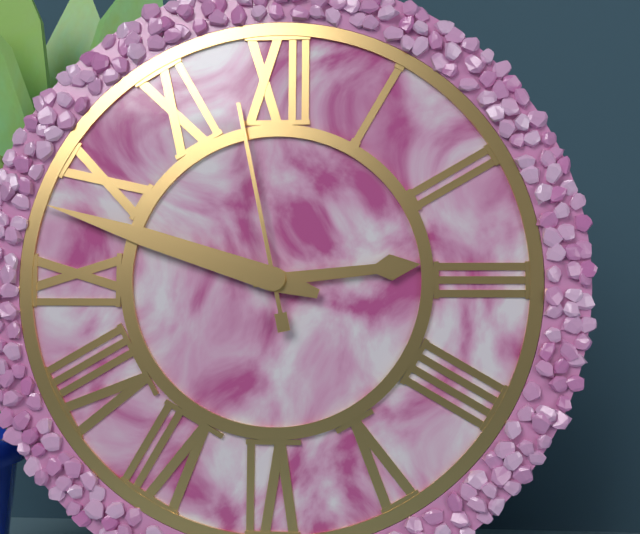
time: 2.48.58
